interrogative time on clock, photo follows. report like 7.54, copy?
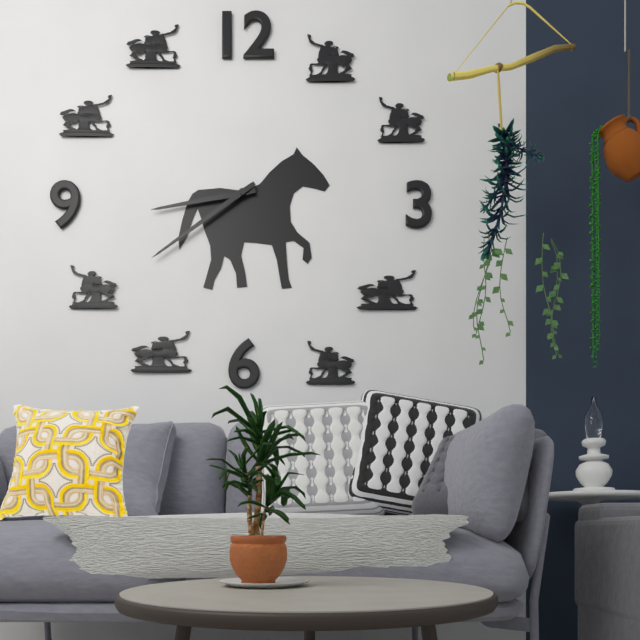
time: 8.39
